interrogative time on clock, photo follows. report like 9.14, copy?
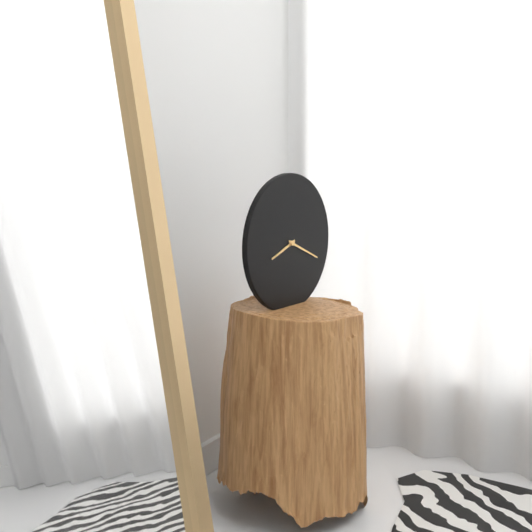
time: 8.19
